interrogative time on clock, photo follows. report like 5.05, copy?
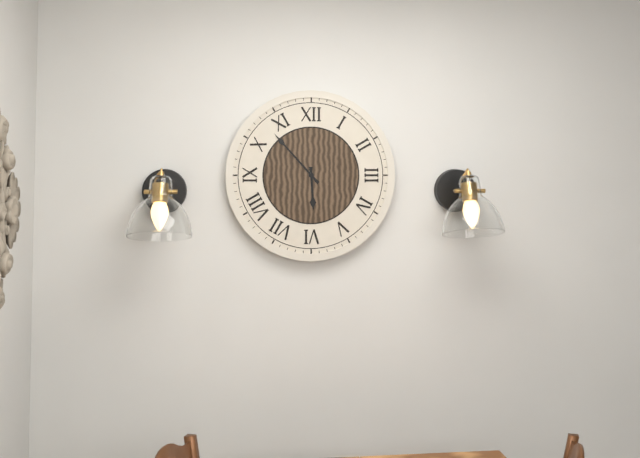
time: 5.53
